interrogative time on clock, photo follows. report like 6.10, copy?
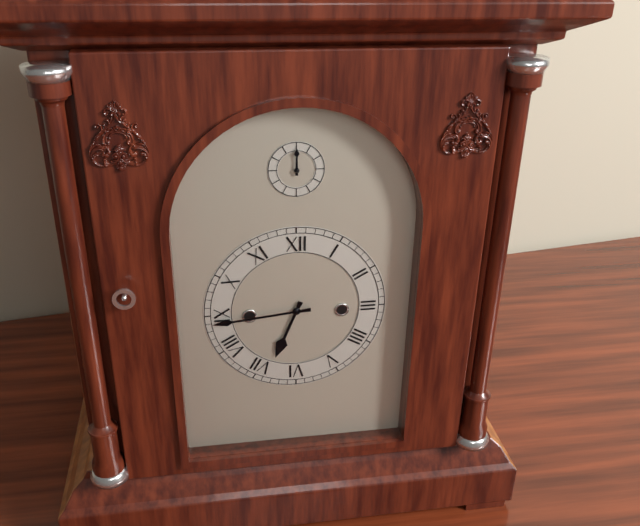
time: 6.44
